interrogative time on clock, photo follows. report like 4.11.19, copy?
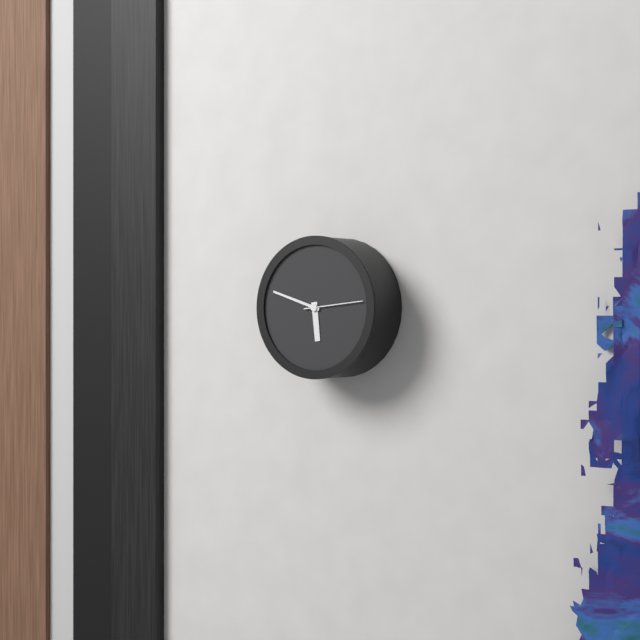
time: 5.48.14
